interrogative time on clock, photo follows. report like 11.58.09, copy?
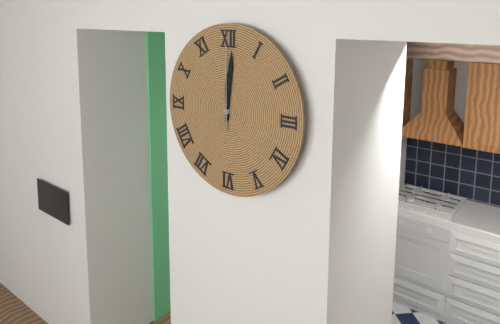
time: 12.01.00
